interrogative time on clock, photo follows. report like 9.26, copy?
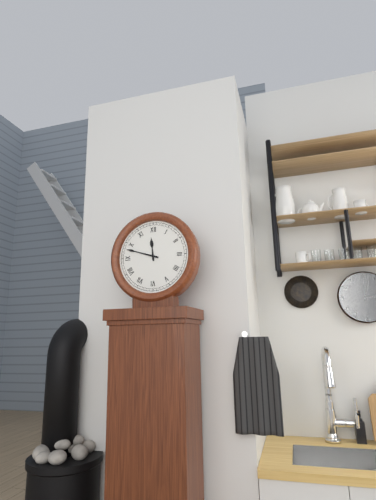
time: 11.48
